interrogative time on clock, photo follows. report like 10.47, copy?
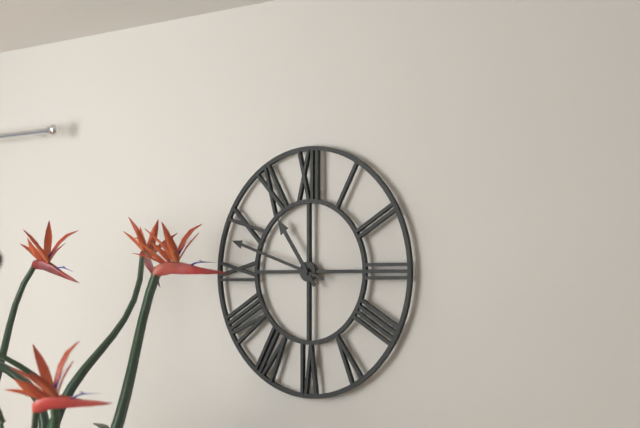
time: 10.48
